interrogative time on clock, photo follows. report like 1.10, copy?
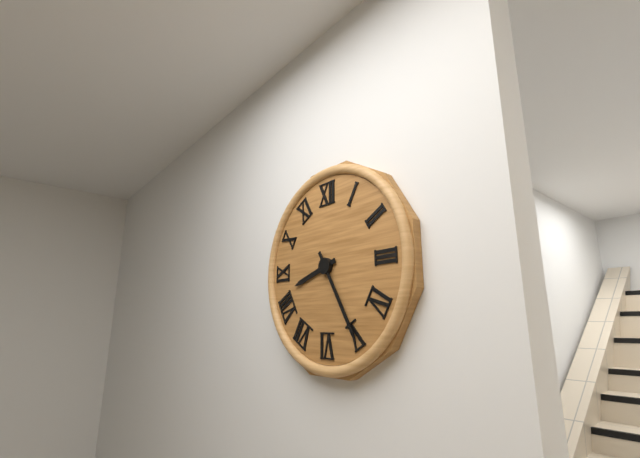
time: 8.25
